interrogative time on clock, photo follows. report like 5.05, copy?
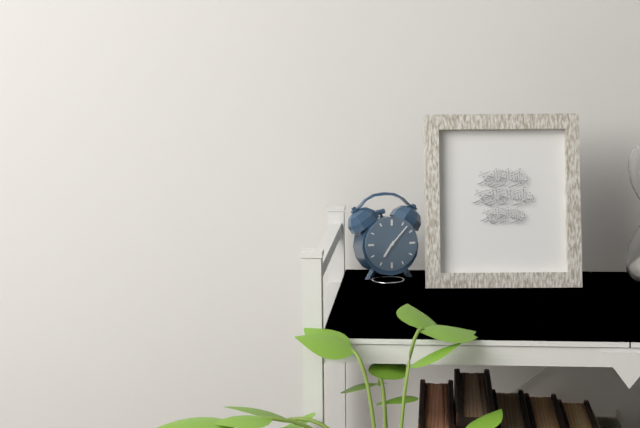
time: 7.07
